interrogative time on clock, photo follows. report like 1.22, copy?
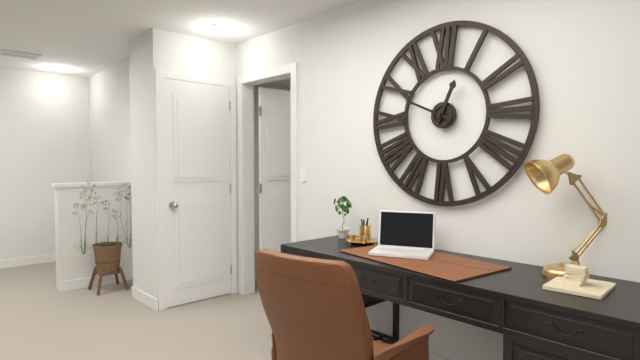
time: 12.49
